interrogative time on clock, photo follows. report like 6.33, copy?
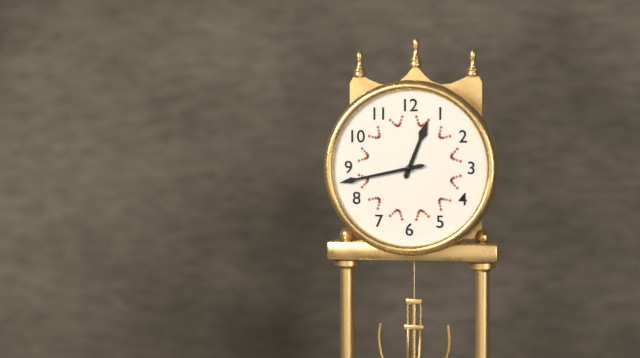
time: 12.43
